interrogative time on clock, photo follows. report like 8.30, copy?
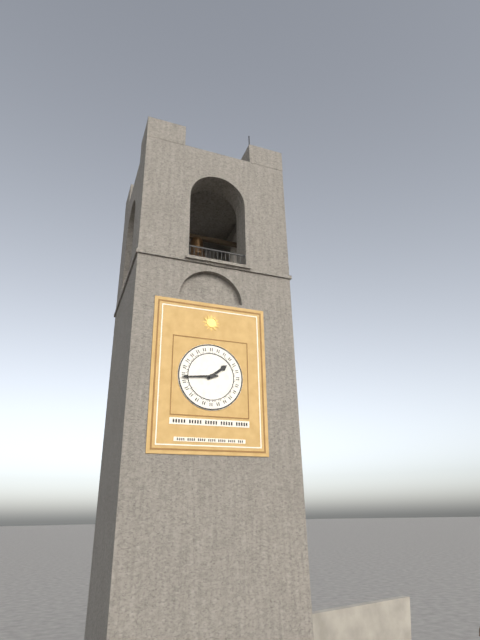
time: 1.44
